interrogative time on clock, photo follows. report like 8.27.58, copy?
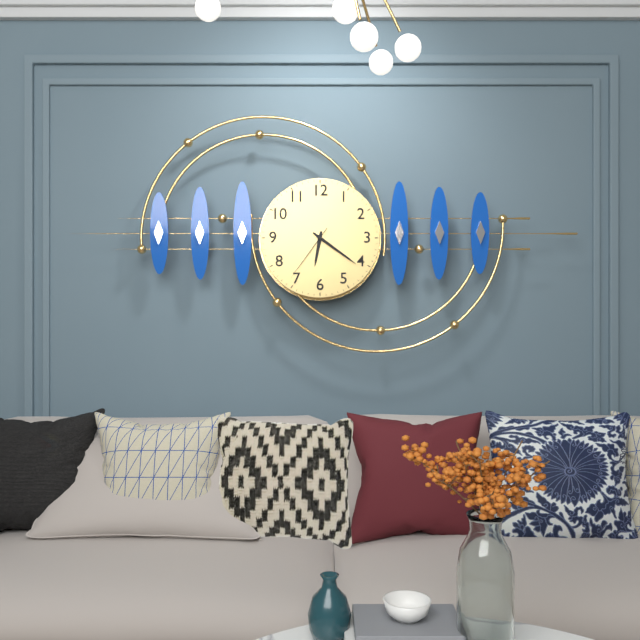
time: 6.21.36
